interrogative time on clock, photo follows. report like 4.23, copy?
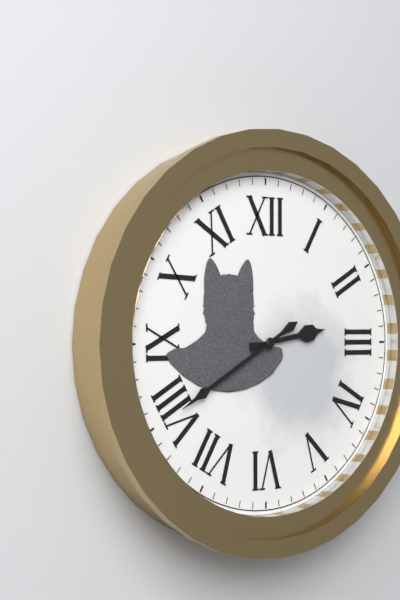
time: 2.40
